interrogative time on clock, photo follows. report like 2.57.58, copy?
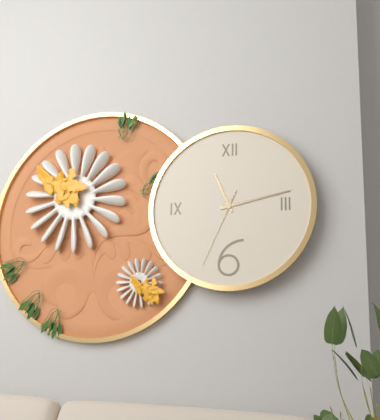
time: 11.13.34
